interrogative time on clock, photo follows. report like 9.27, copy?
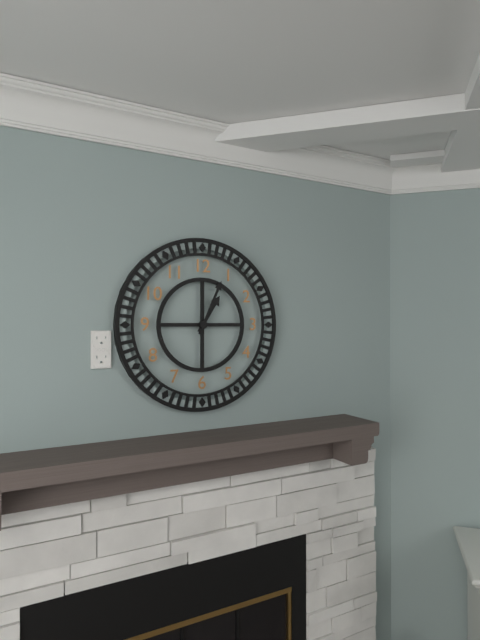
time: 1.04
